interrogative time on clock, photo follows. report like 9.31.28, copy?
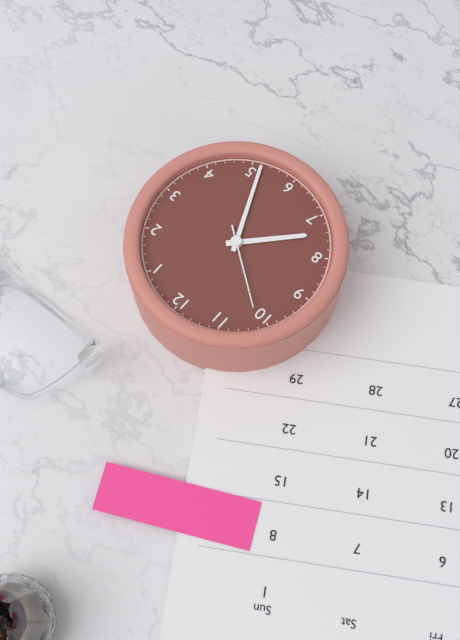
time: 7.26.51
